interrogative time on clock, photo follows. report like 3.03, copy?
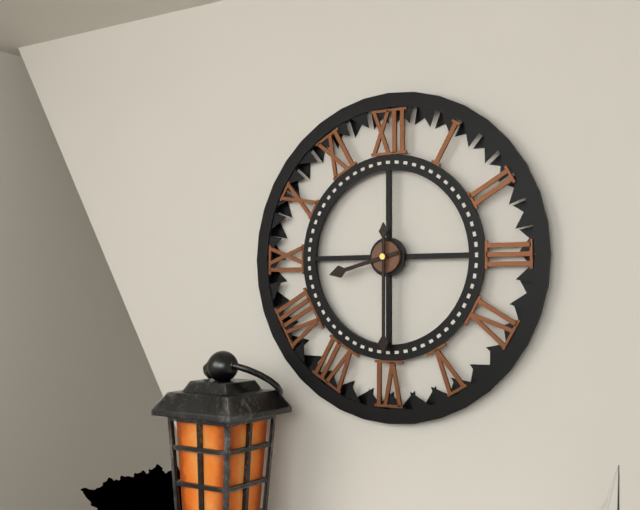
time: 8.30
